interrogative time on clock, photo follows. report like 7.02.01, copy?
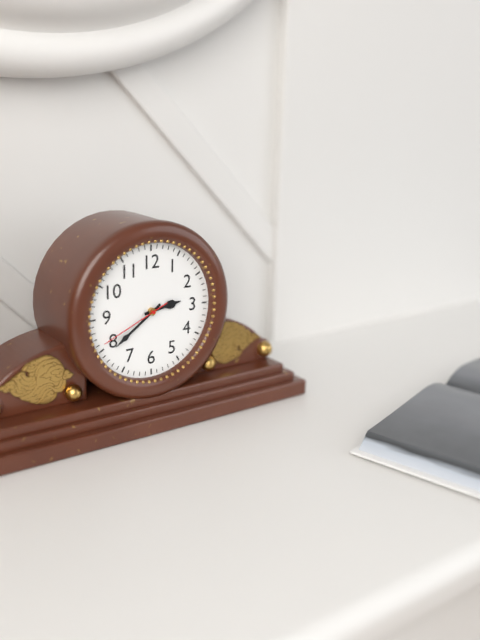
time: 2.39.41
